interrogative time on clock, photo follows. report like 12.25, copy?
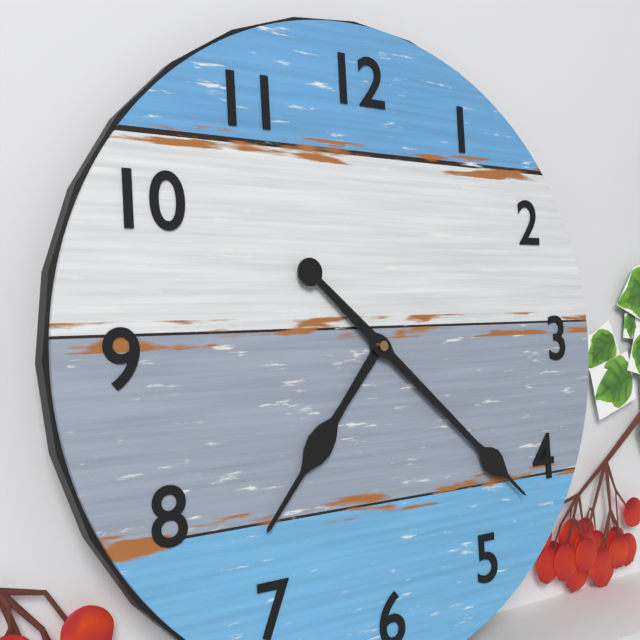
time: 7.22
